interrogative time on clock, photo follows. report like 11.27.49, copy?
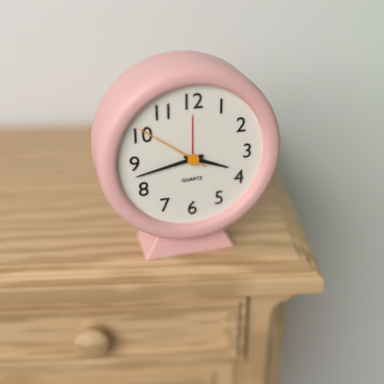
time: 3.43.51
